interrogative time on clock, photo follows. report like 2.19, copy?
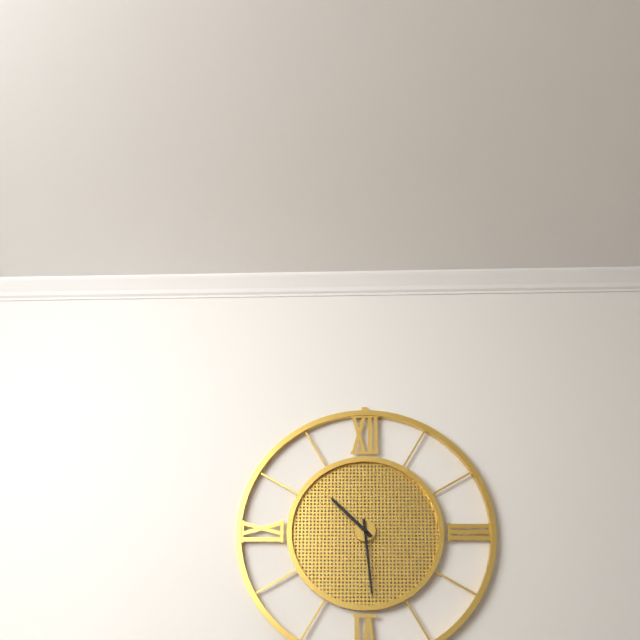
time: 10.29
